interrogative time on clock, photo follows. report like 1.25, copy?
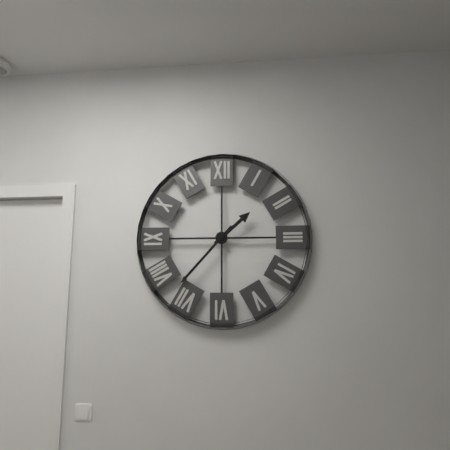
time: 1.37
